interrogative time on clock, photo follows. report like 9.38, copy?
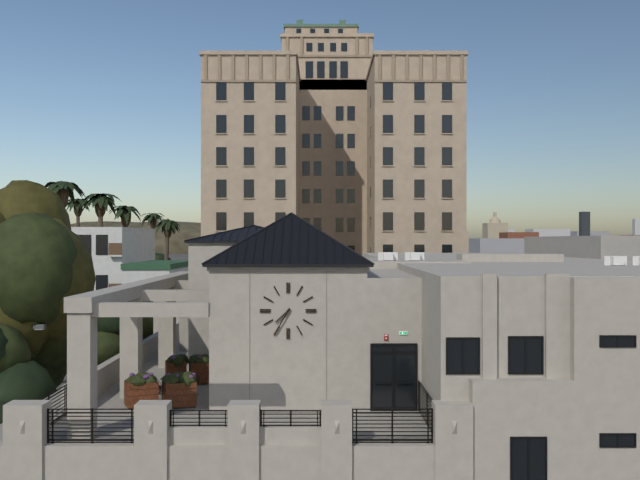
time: 7.35
